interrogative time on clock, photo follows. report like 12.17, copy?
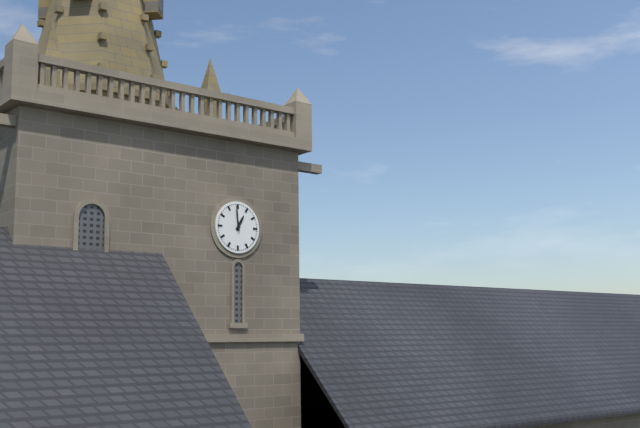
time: 12.59
